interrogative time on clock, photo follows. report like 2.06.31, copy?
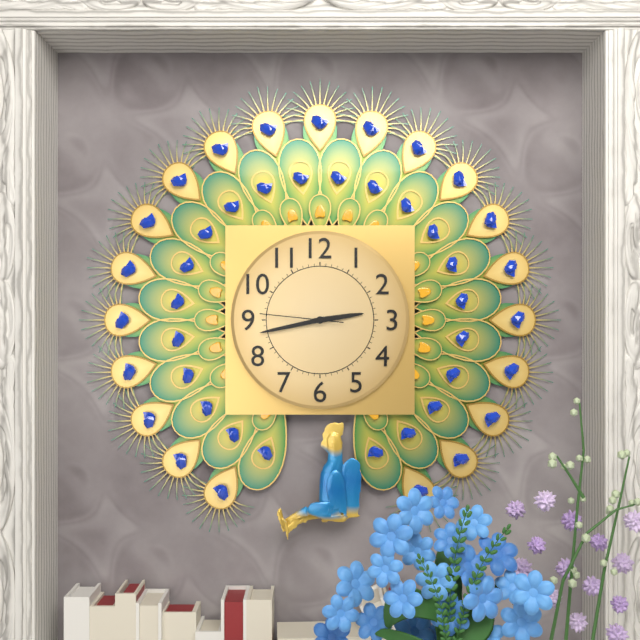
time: 2.43.46
